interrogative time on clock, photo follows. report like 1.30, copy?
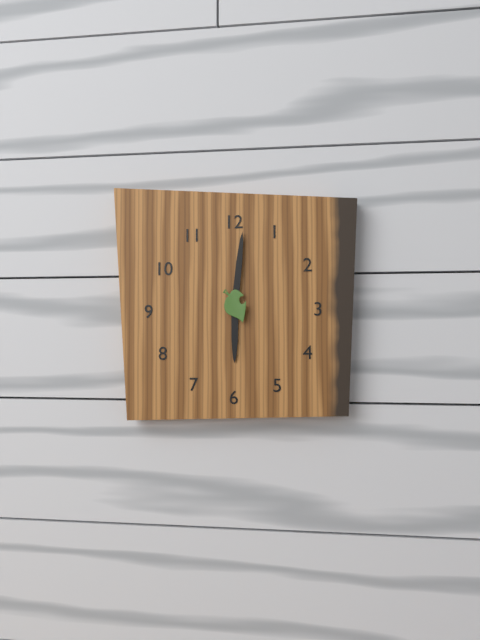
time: 6.01
